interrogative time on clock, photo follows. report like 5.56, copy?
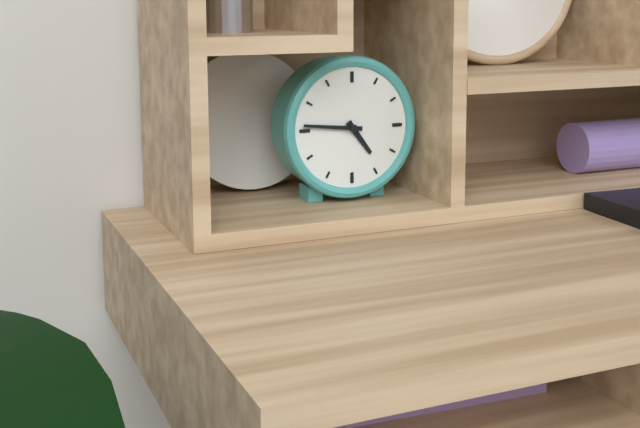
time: 4.46
